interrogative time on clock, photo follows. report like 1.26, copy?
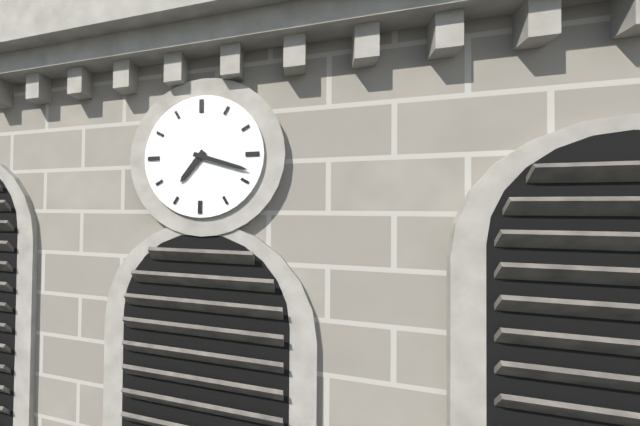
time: 7.18
